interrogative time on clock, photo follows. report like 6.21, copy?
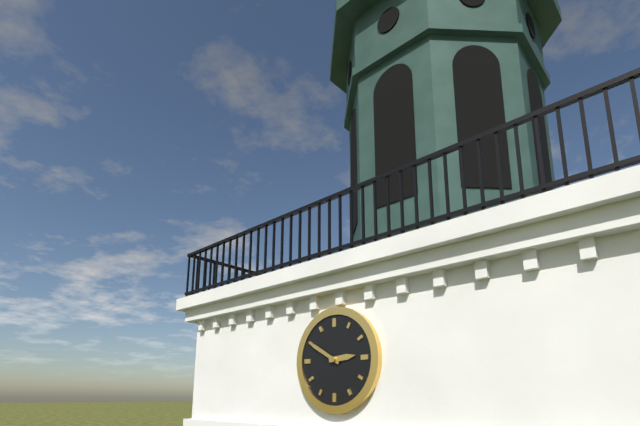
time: 2.50
